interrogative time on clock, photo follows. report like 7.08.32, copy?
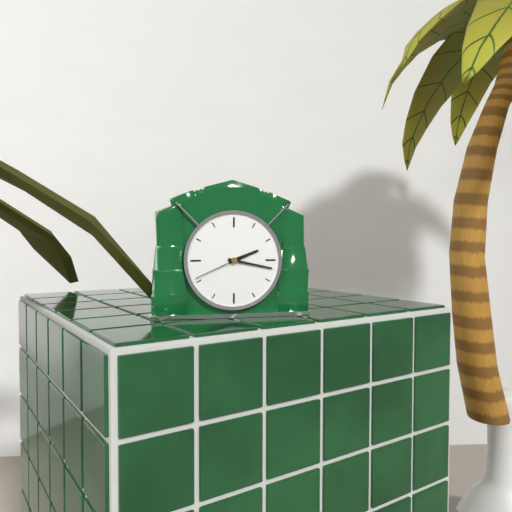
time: 2.17.41
